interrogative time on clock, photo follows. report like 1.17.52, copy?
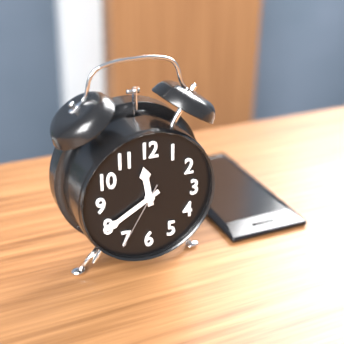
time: 11.40.35
